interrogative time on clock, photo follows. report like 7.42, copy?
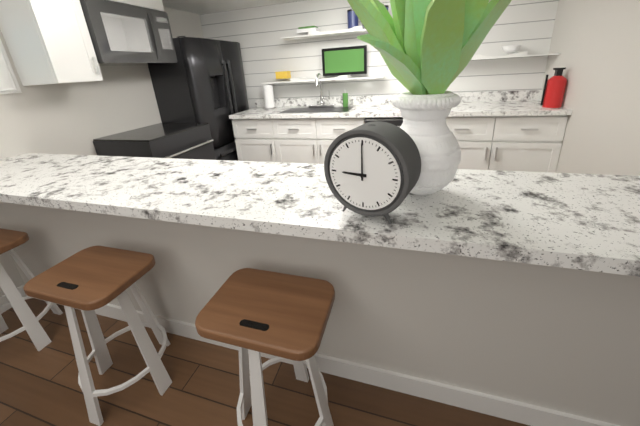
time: 9.00
